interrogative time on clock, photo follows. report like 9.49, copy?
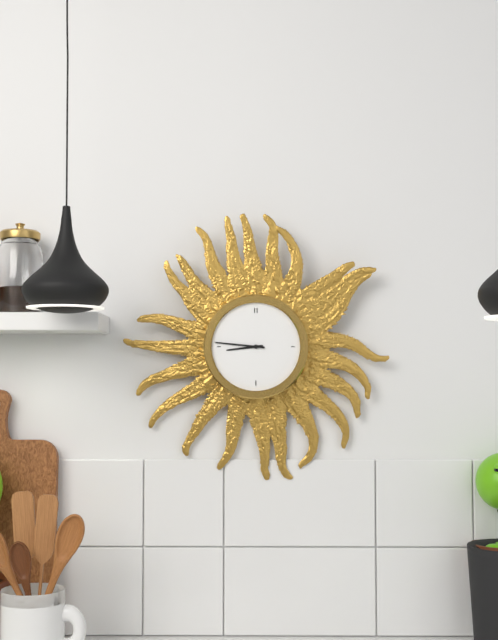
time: 8.46
